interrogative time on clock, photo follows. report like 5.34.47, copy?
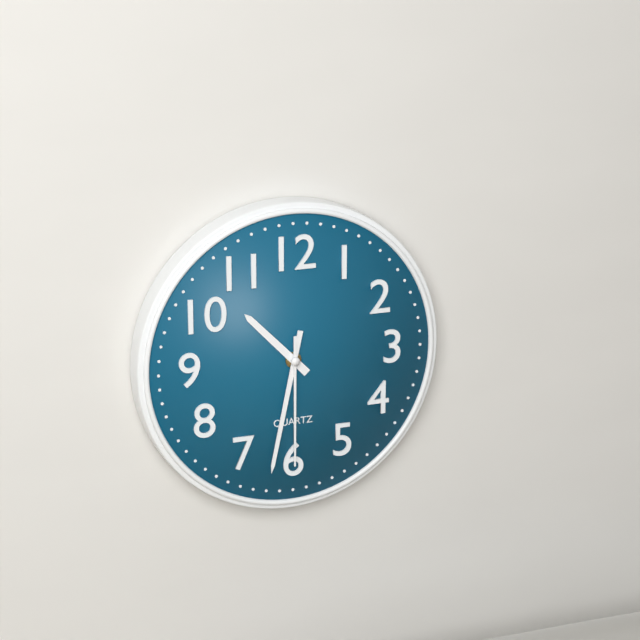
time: 10.32.30
